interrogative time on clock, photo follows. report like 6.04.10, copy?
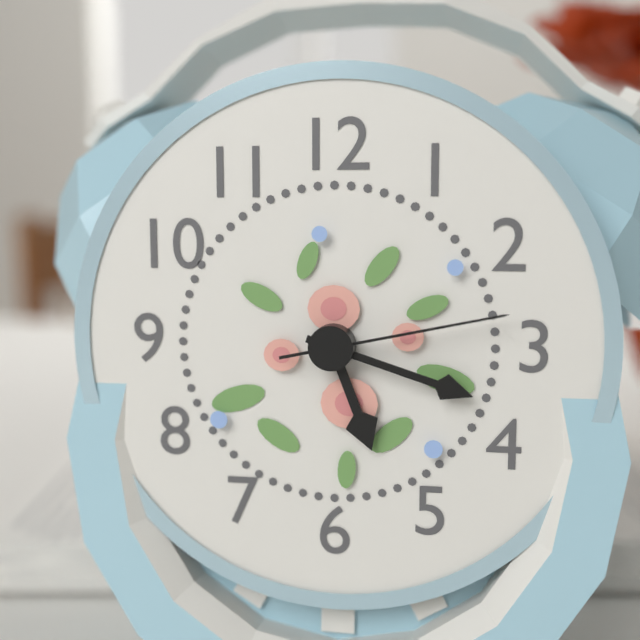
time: 5.18.13
